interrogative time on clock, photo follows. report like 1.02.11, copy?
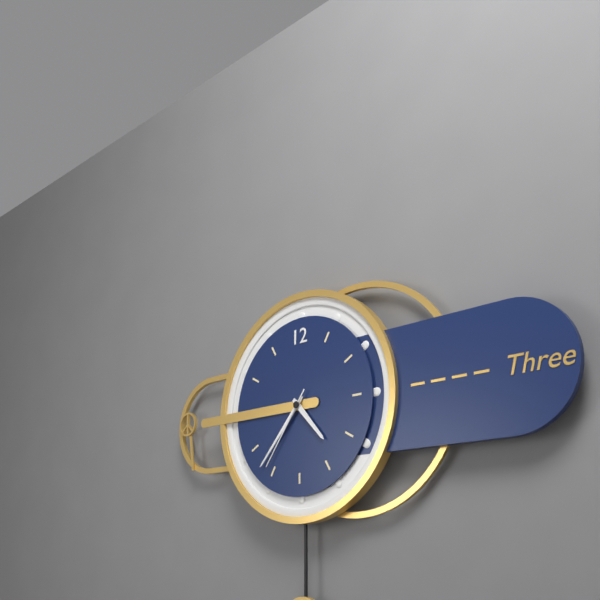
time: 4.37.36
